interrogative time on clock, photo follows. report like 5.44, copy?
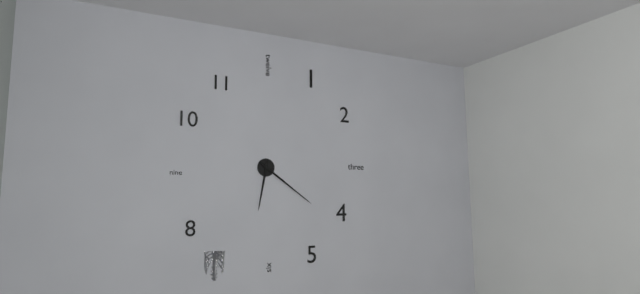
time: 6.21
